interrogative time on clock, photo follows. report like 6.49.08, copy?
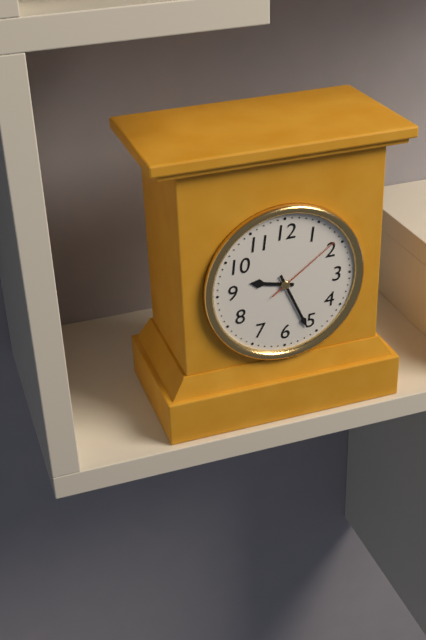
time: 9.26.09
